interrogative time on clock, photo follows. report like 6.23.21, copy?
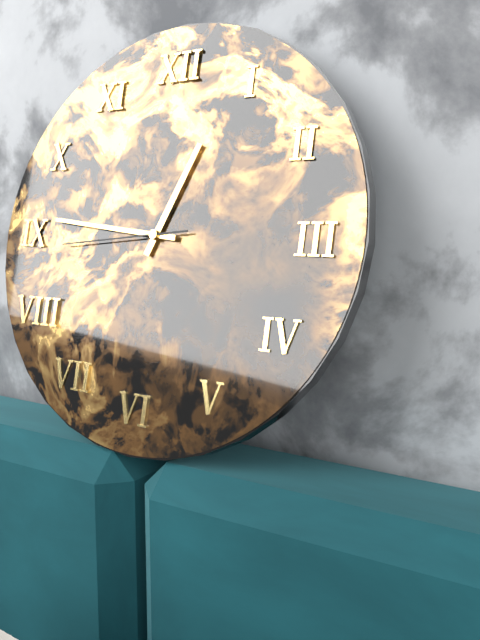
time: 12.46.44
